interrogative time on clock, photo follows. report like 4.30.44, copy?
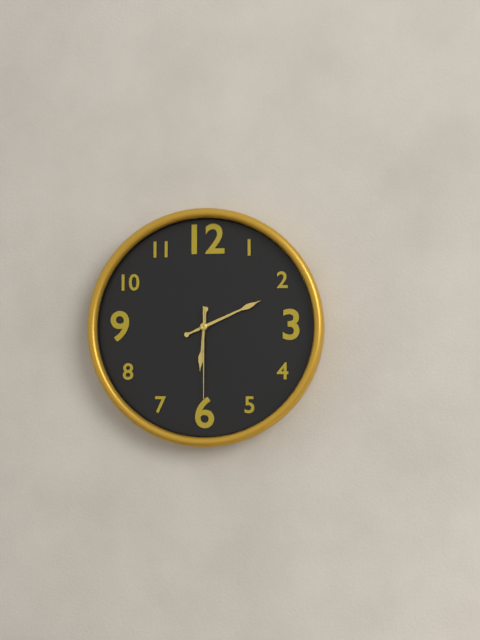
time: 6.11.30
